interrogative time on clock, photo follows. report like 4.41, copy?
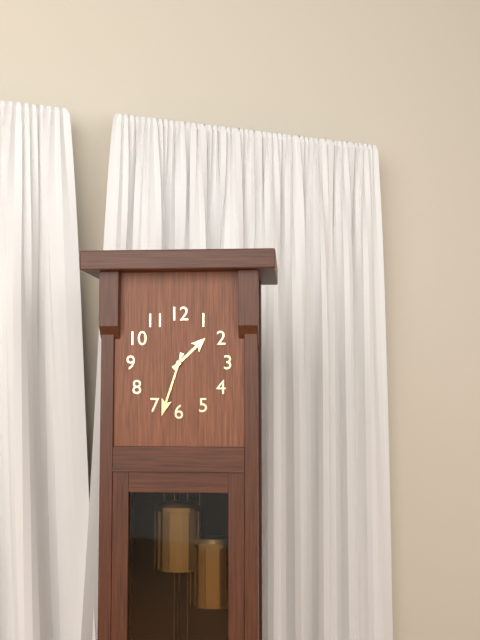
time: 1.33
